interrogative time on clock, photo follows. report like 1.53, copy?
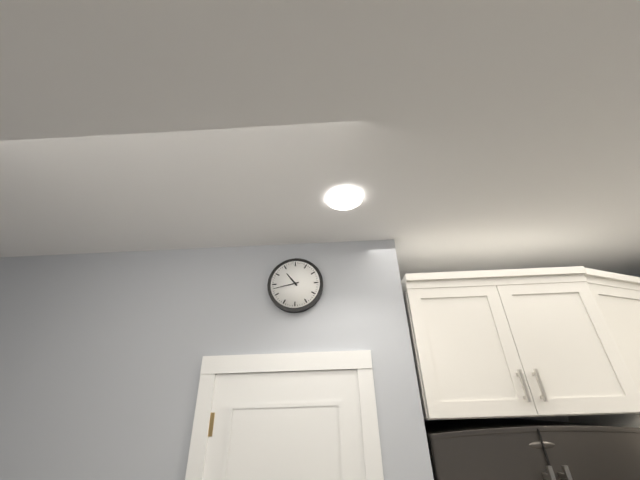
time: 10.43
